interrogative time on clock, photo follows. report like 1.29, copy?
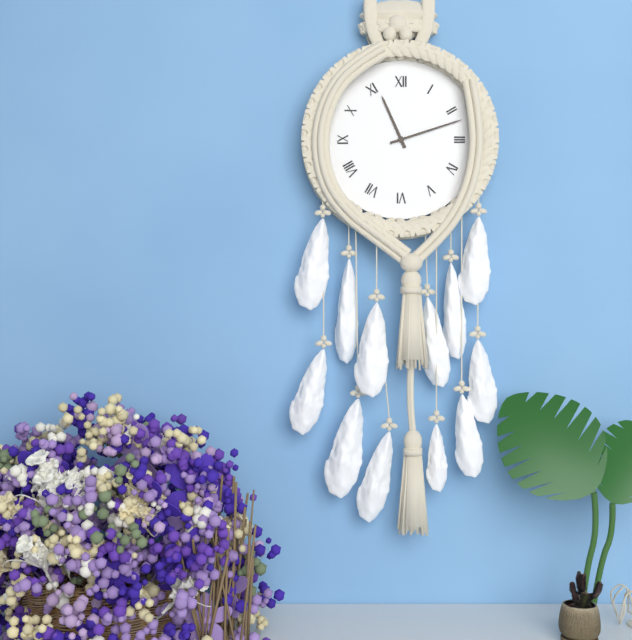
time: 11.12
